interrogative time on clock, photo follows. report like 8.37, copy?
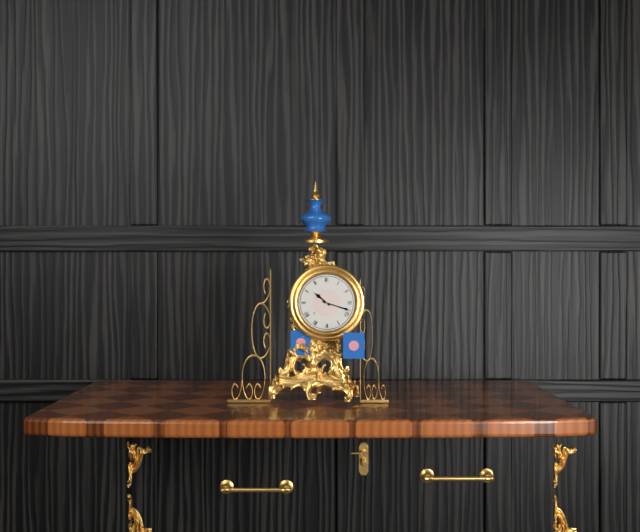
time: 10.18
